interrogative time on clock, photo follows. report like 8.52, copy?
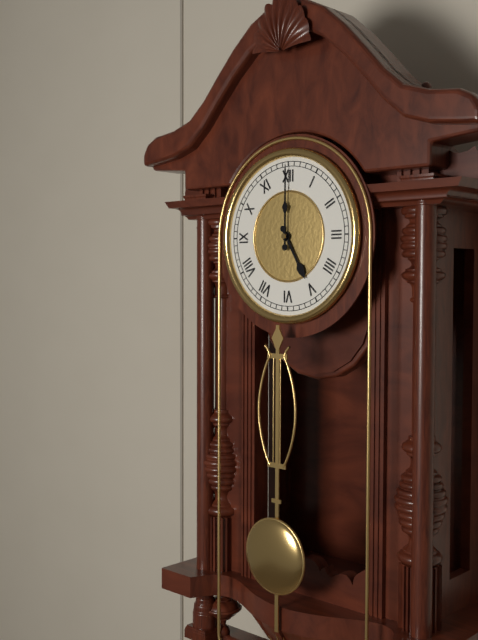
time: 5.00
